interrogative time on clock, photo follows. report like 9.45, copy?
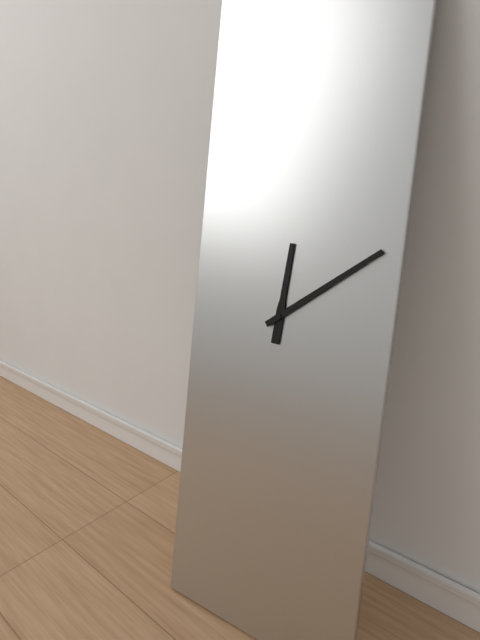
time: 12.09
